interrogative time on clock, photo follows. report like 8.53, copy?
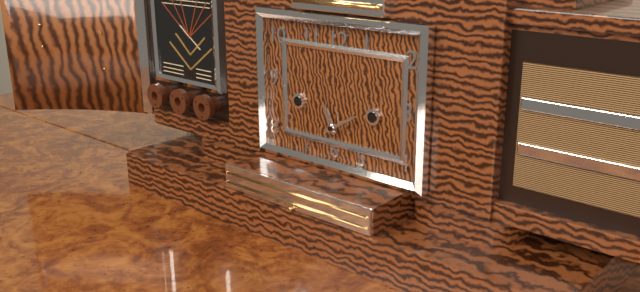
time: 11.10
